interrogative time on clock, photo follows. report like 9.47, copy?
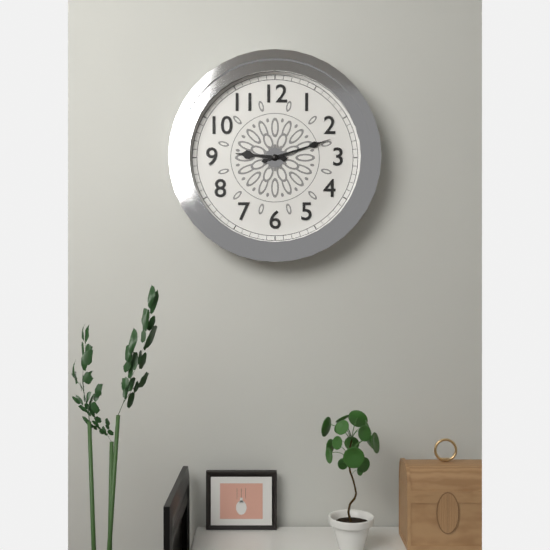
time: 9.12
